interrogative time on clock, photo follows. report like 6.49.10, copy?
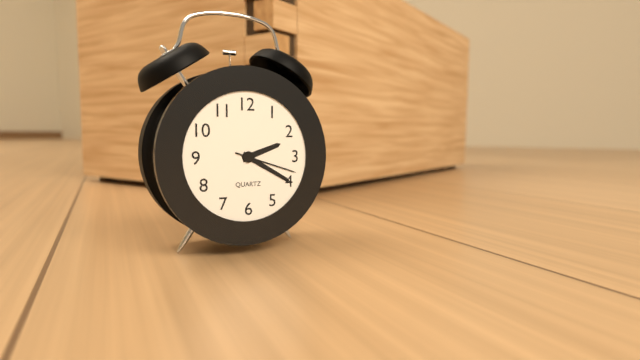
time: 2.20.18
